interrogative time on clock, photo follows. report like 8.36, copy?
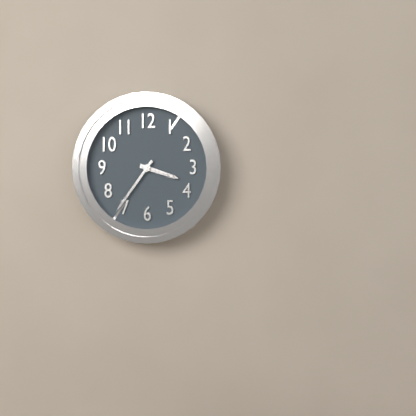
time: 3.36
